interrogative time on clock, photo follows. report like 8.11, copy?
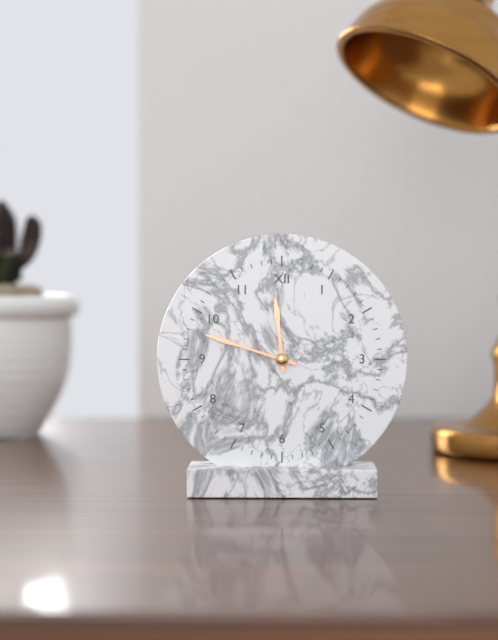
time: 11.48
